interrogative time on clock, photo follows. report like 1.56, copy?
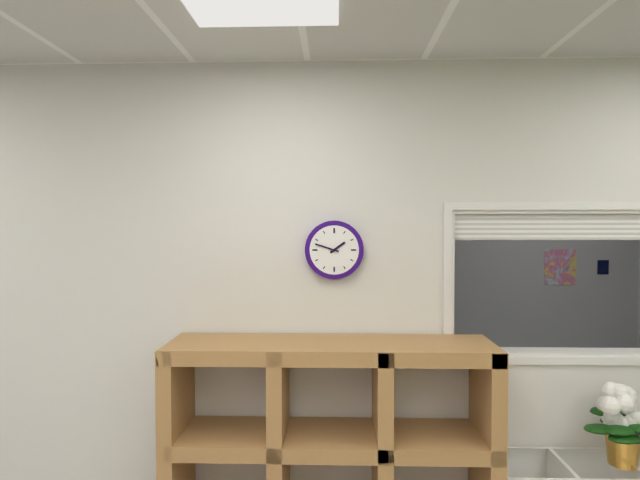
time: 1.48
